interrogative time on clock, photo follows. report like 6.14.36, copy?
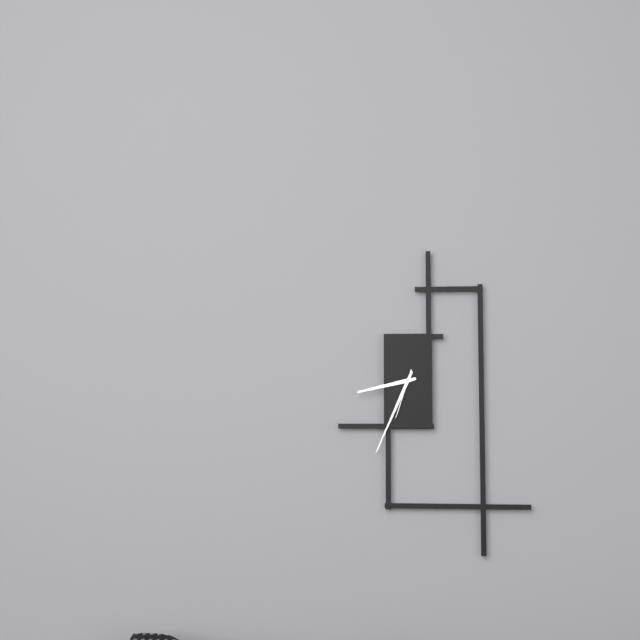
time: 8.34.33
